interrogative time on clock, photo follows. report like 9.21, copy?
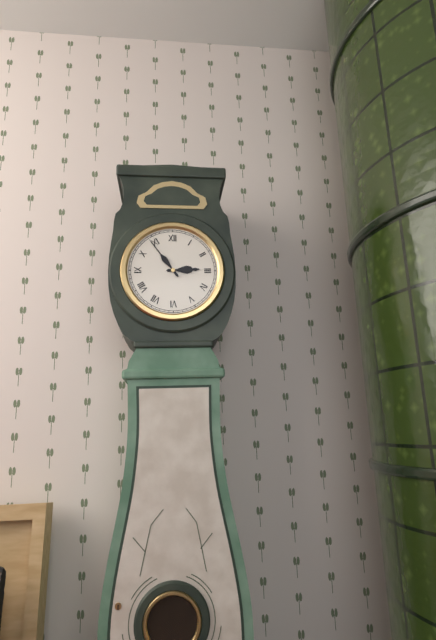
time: 2.54
